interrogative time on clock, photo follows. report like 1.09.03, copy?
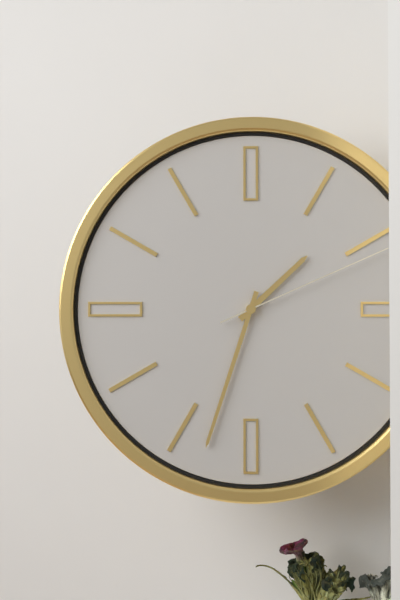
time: 1.33.11
